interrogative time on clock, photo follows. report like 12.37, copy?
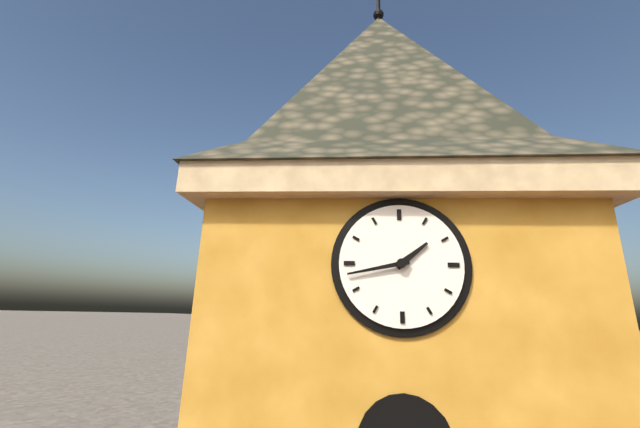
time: 1.43
